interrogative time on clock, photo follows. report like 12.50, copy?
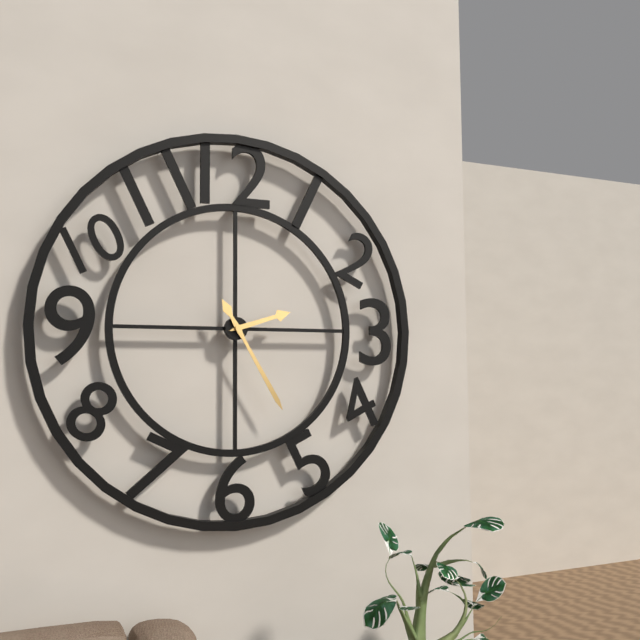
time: 2.25
